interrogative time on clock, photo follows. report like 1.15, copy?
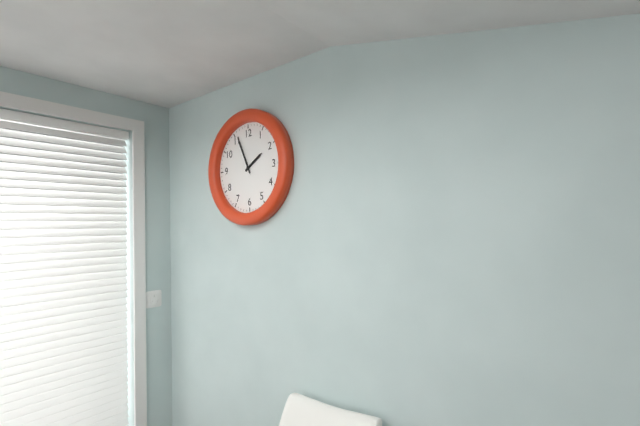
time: 1.56
